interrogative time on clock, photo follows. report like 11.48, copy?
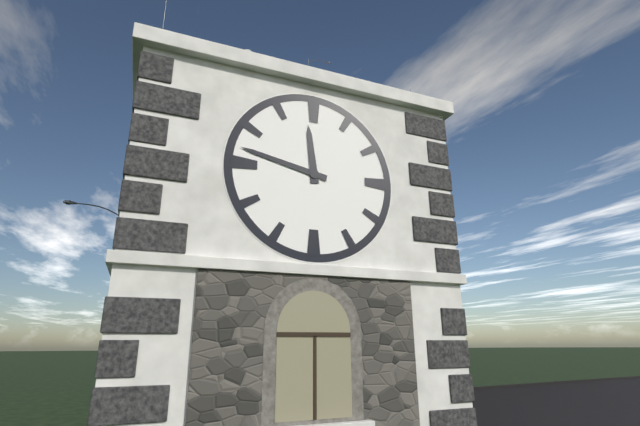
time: 11.47
